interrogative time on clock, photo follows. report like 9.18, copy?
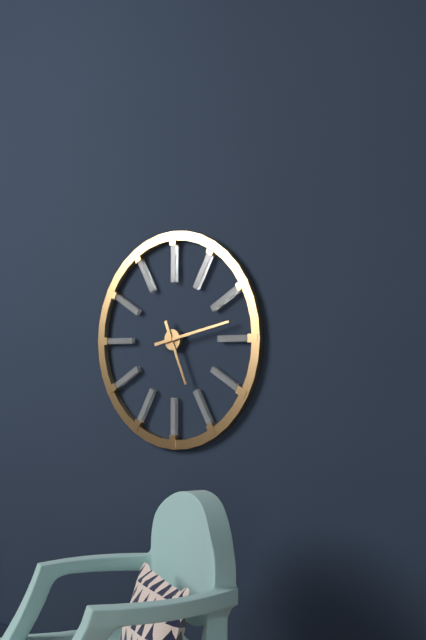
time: 5.13
